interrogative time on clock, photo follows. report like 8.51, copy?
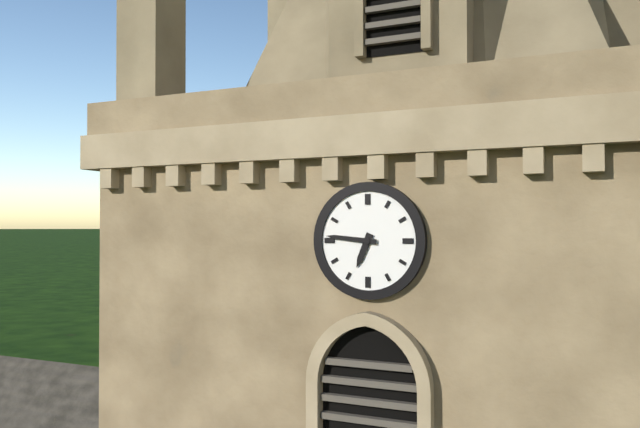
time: 6.46
